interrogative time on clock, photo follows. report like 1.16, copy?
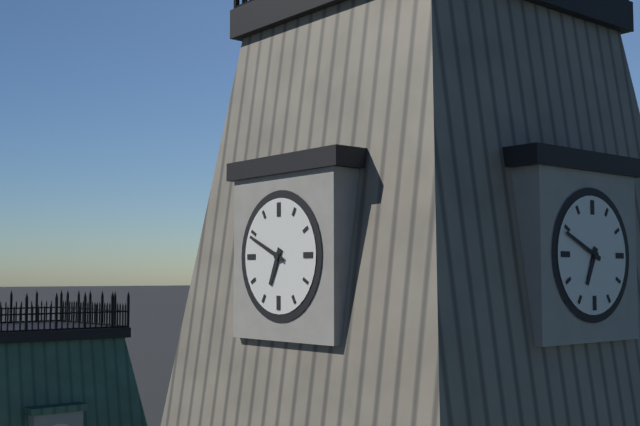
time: 6.49
